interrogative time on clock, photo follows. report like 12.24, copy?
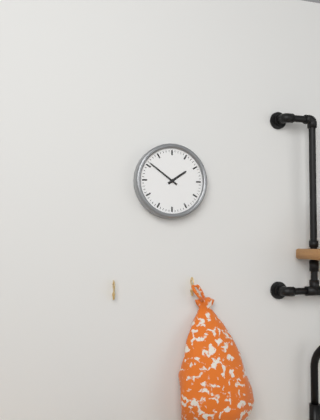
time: 1.51
